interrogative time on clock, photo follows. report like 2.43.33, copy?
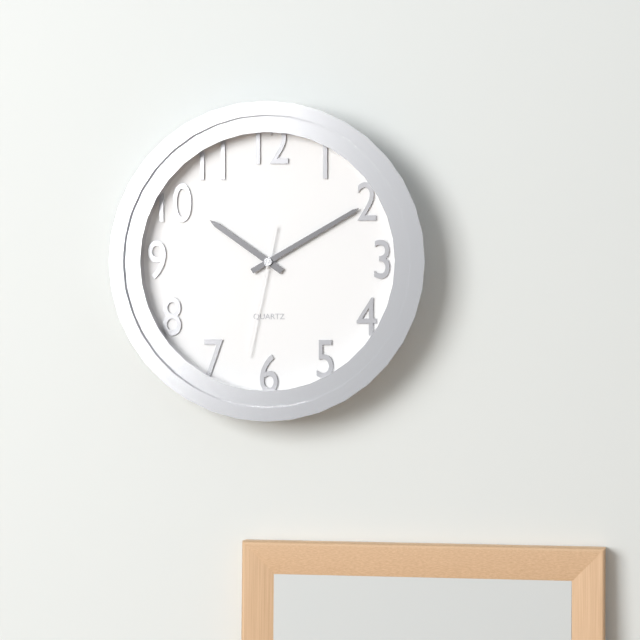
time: 10.10.32
